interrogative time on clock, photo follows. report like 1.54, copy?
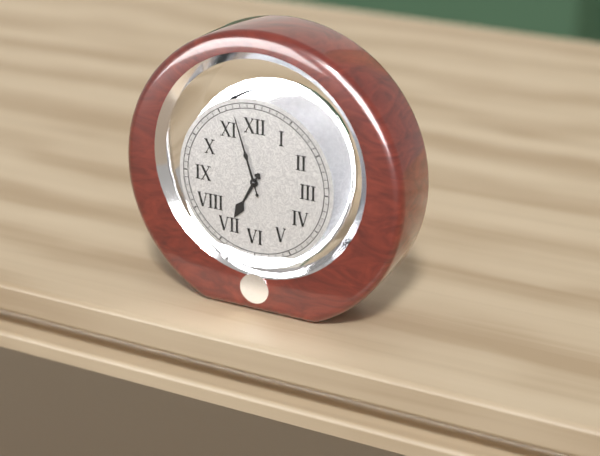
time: 6.57
